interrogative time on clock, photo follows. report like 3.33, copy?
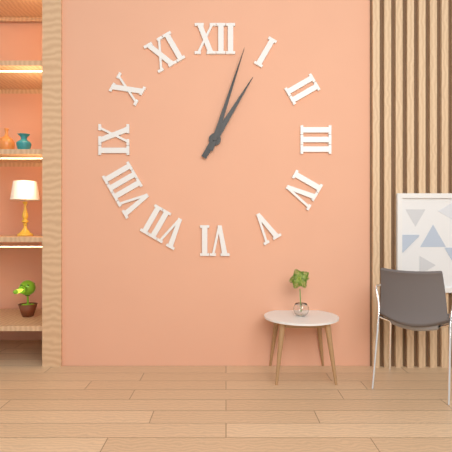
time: 1.03
